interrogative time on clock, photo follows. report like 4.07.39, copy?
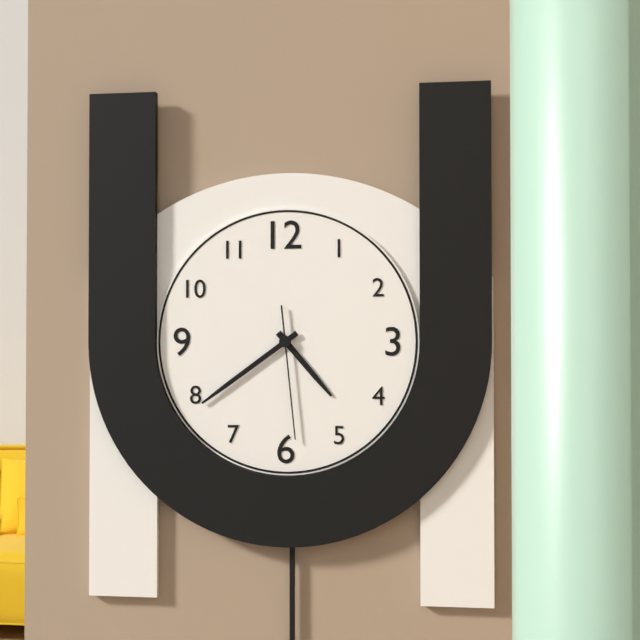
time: 4.39.29
